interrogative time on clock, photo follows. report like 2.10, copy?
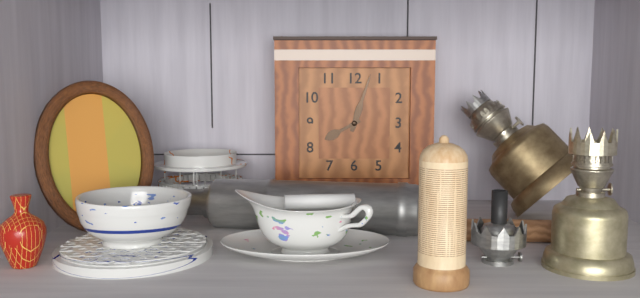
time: 8.03
